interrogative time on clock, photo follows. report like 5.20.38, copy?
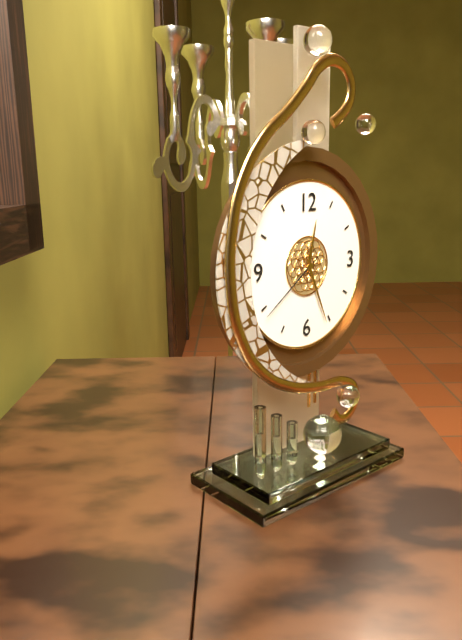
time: 12.26.39
